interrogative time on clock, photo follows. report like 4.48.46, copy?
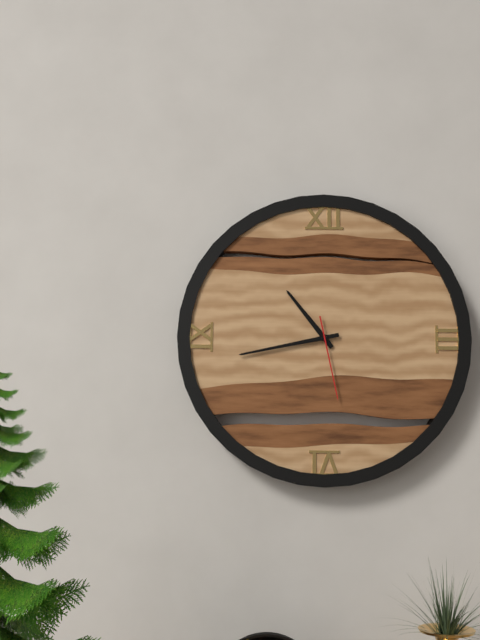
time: 10.43.28
